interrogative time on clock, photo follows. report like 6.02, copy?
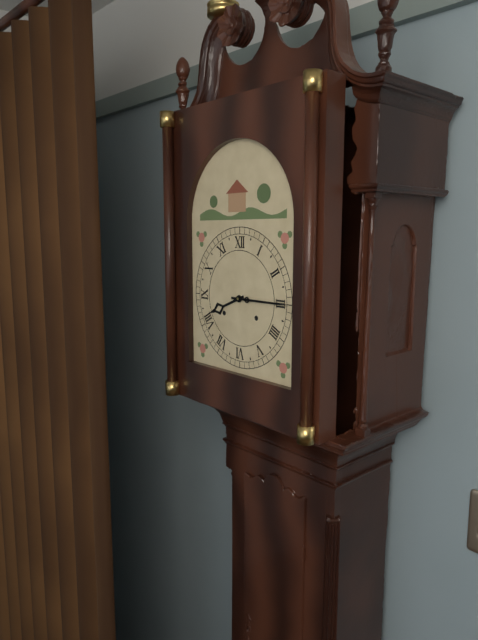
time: 8.15
